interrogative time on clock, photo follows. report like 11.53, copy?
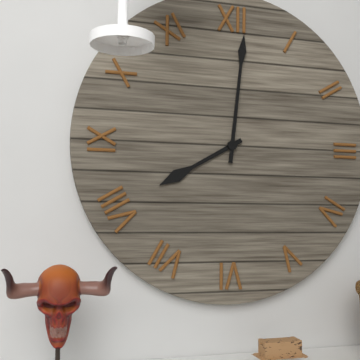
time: 8.01
